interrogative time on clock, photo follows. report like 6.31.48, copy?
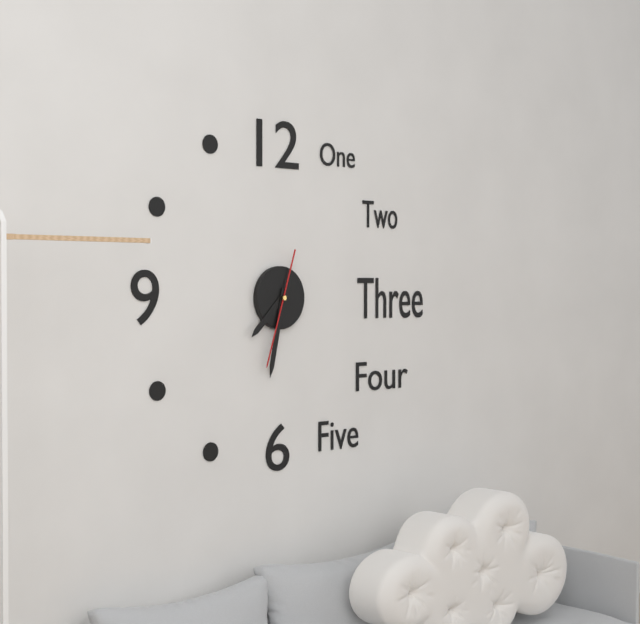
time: 7.32.33
